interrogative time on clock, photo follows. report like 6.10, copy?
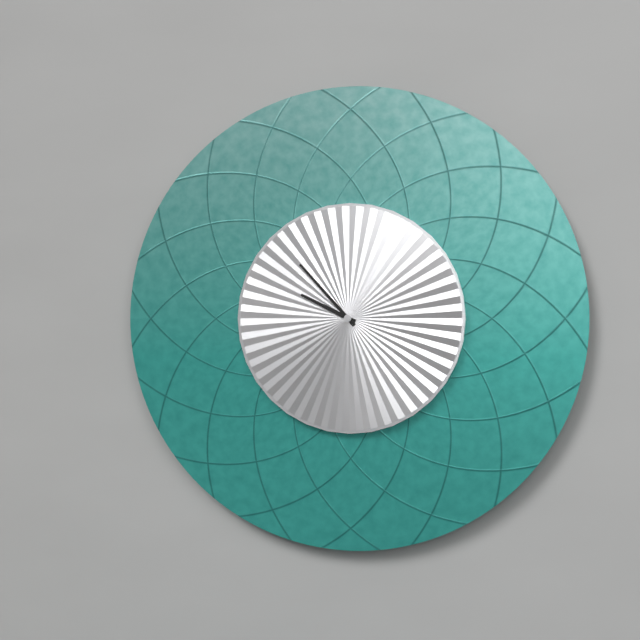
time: 9.53
